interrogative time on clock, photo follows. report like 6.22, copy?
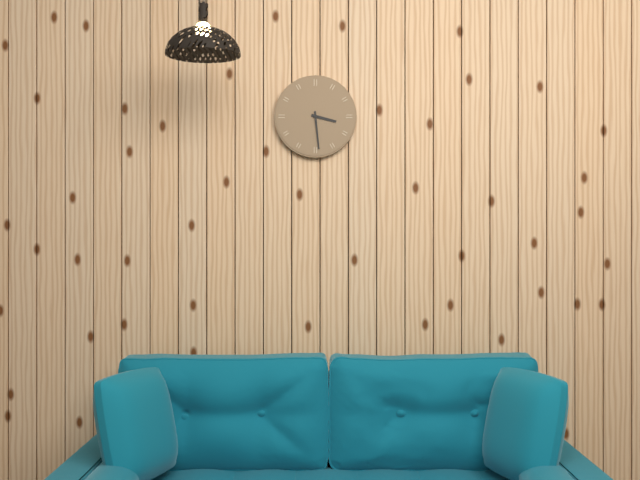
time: 3.29
